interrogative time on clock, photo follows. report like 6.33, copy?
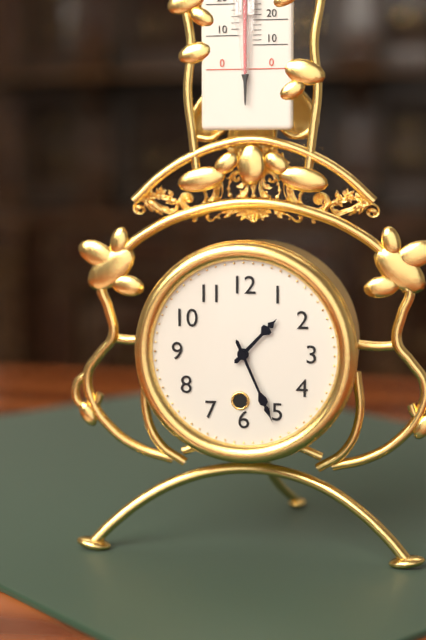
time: 1.26
